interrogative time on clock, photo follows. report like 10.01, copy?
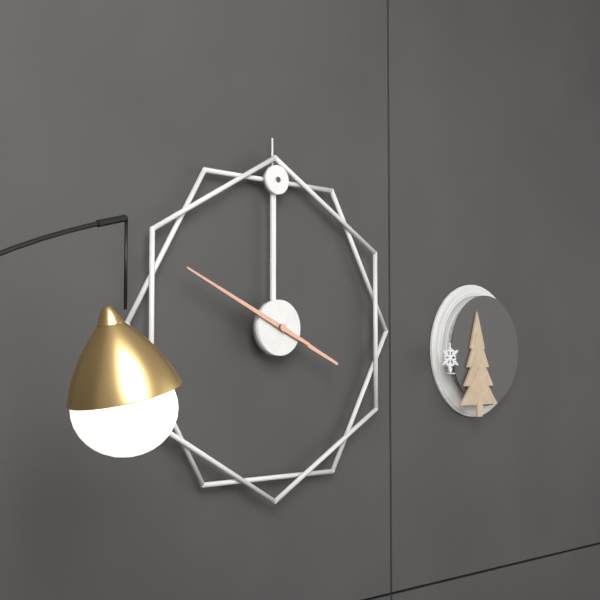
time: 3.49
